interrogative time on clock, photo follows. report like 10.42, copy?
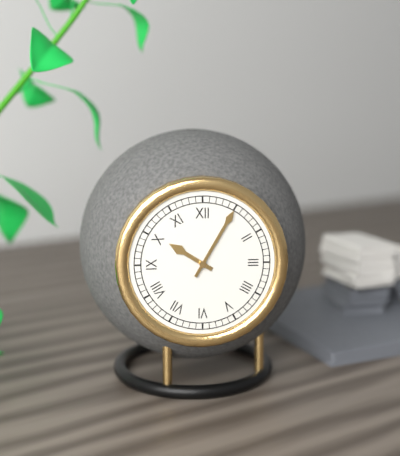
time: 10.05
